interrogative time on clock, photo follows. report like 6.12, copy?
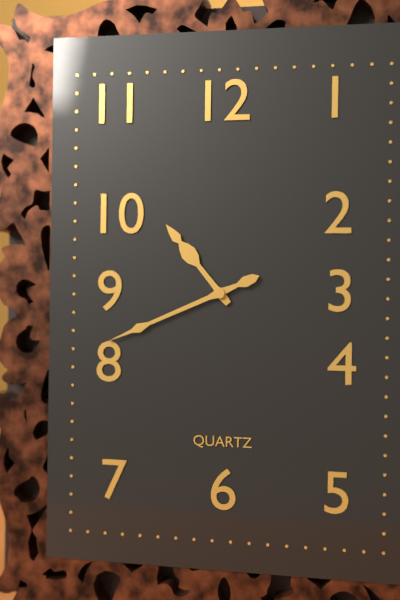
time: 10.41
